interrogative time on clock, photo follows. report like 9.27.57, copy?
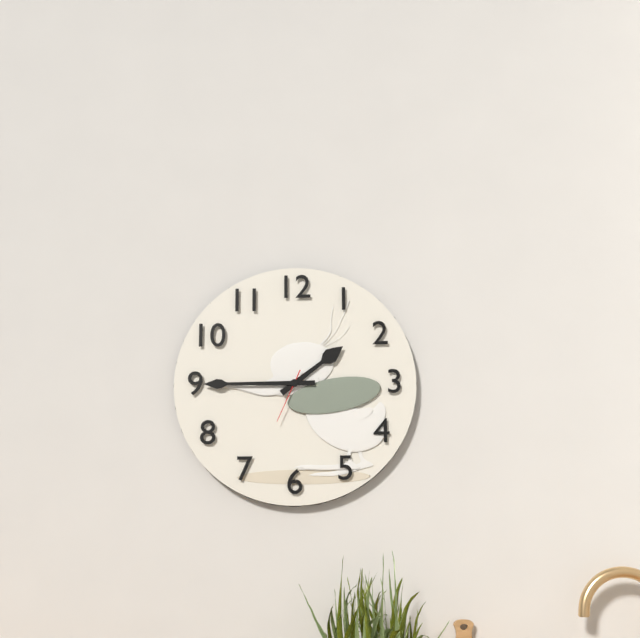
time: 1.45.34
